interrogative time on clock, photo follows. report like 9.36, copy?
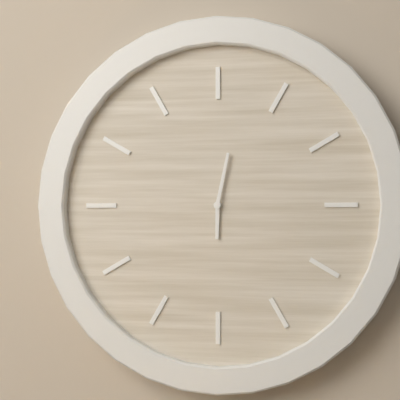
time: 6.02
